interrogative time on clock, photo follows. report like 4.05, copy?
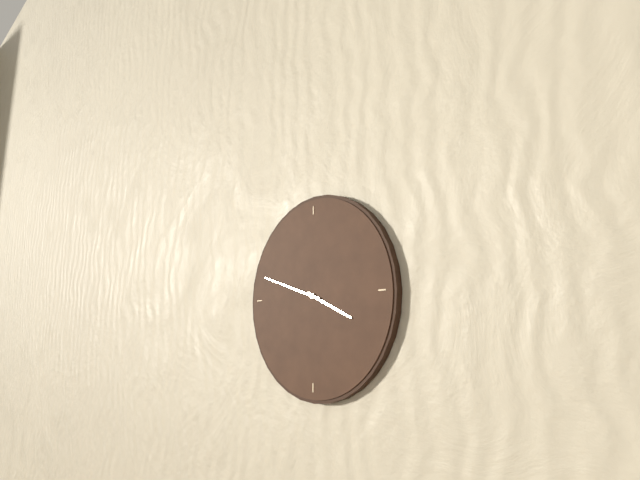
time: 3.48
